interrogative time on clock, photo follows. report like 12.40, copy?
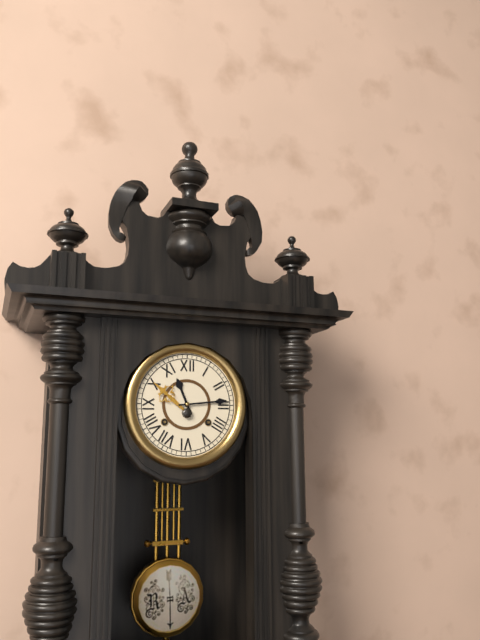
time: 11.14
